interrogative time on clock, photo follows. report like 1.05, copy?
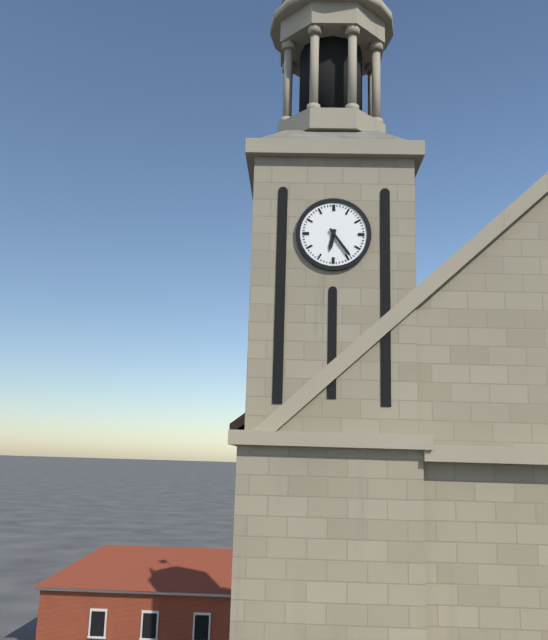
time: 6.24
